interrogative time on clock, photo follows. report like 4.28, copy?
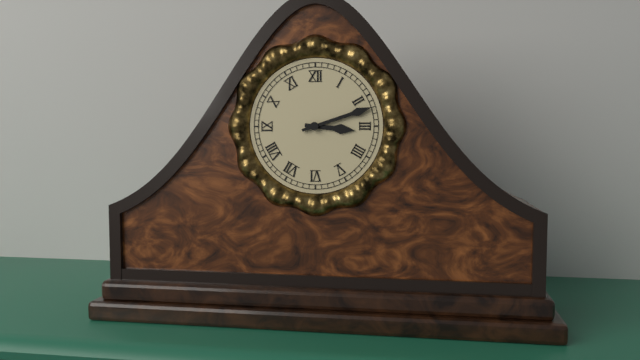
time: 3.12
